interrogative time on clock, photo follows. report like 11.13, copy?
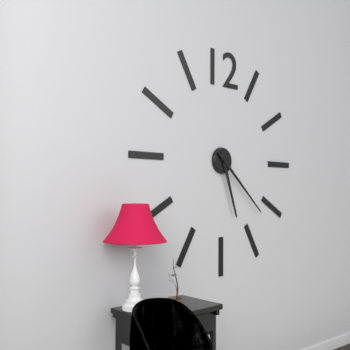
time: 5.22
